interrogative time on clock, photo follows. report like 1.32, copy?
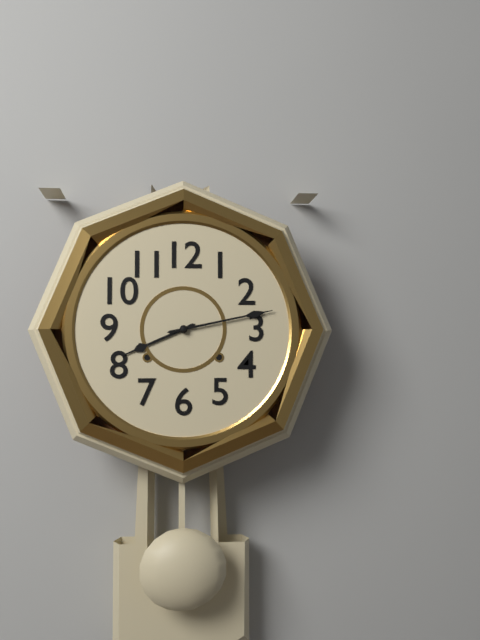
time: 8.13
